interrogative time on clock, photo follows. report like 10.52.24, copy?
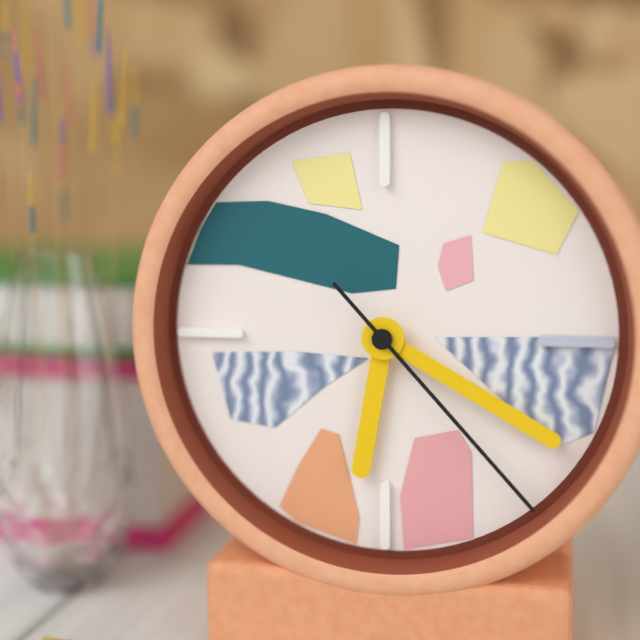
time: 6.20.23
